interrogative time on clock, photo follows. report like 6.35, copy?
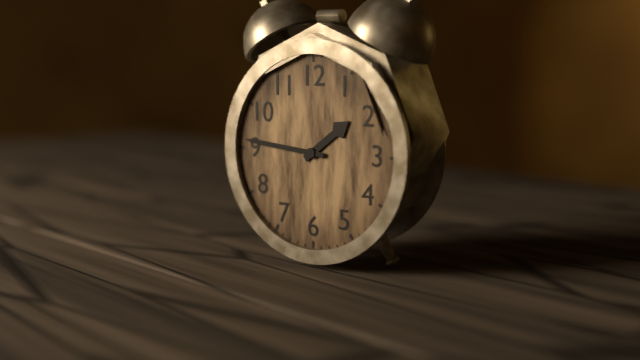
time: 1.46
